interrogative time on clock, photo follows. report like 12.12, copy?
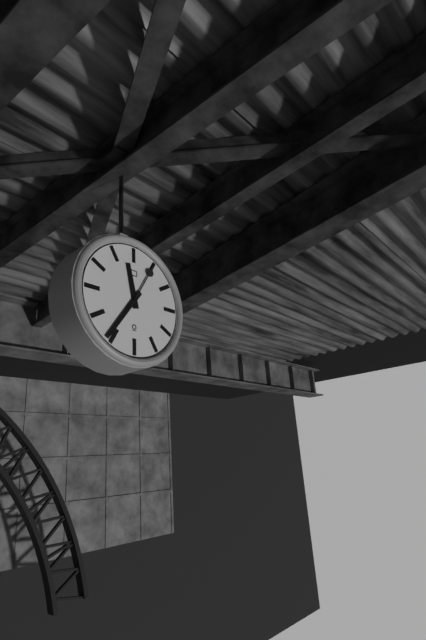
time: 11.36
